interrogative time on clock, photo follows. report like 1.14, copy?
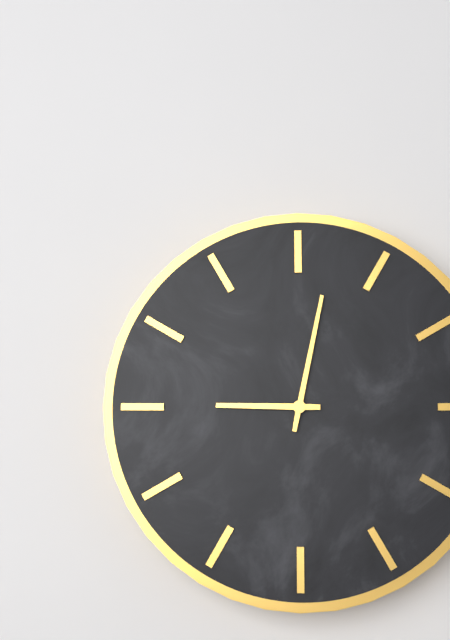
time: 9.02
